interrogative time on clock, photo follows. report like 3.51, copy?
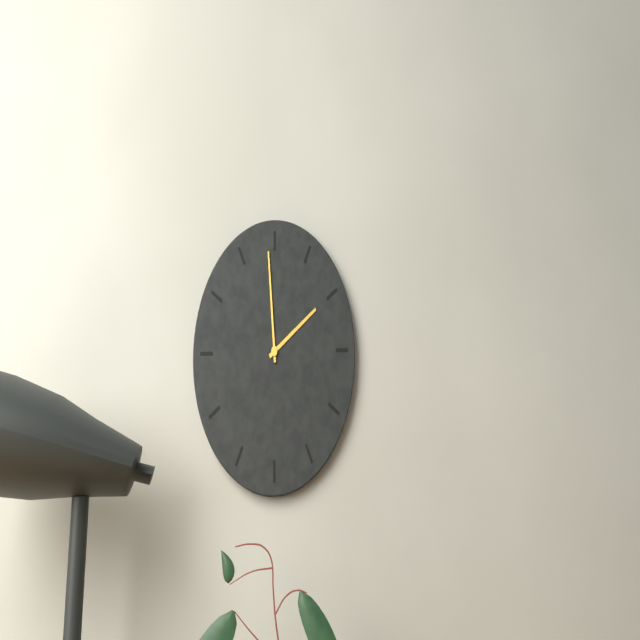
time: 1.59
